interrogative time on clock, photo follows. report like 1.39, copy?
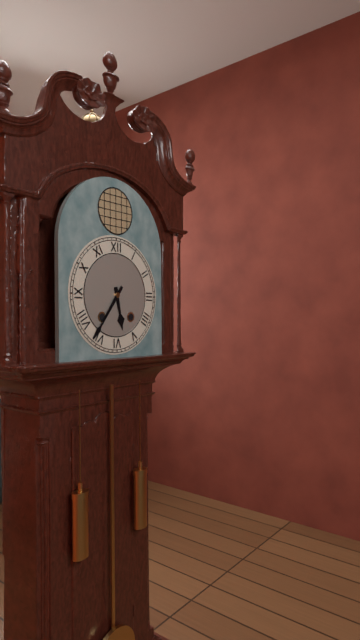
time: 5.36
